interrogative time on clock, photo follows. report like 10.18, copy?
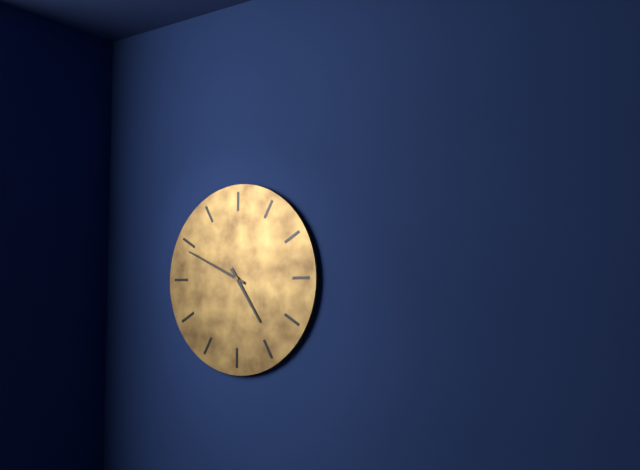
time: 4.49
